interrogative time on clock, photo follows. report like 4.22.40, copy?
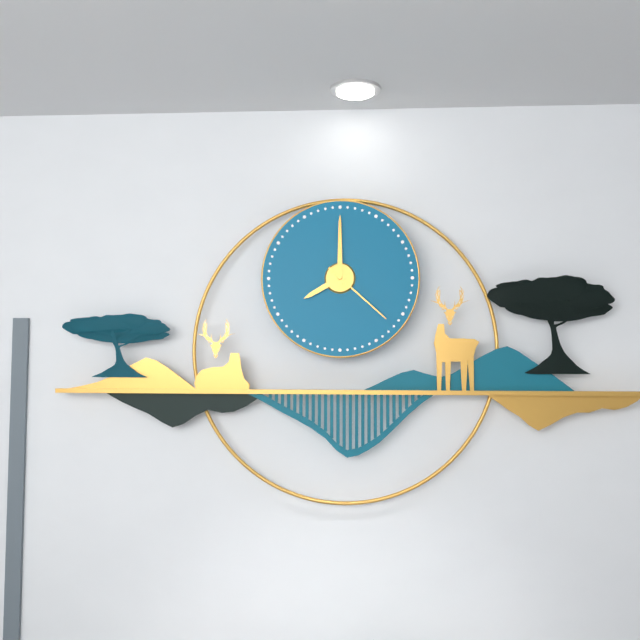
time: 8.00.22
